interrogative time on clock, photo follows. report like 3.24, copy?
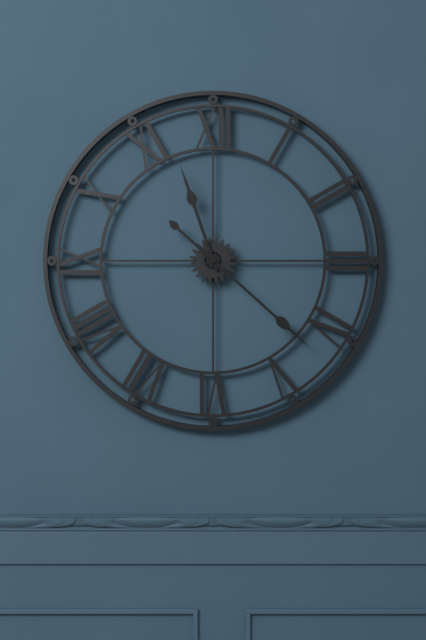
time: 11.22
